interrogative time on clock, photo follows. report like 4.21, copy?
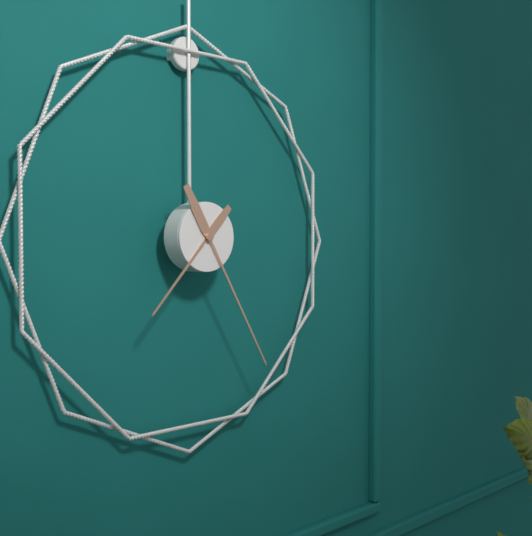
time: 7.25
